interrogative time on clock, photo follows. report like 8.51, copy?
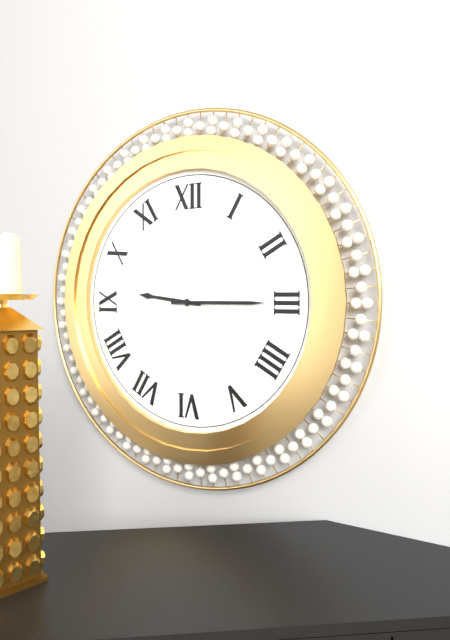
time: 9.15
